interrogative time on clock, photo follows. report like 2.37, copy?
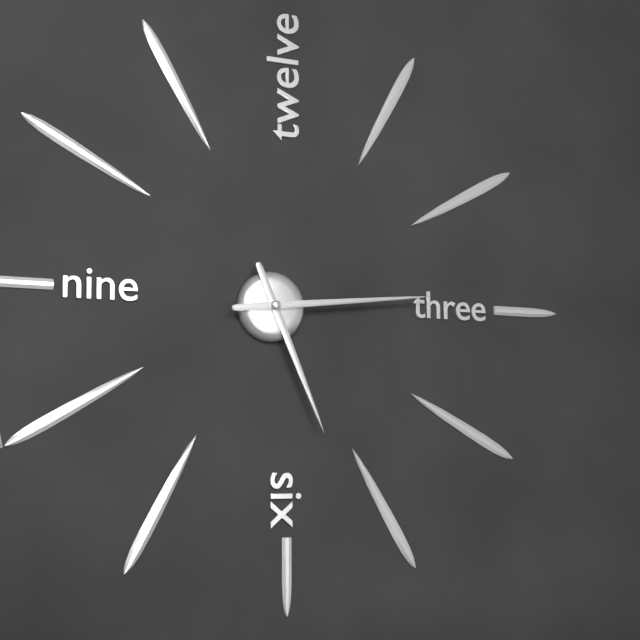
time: 5.14
